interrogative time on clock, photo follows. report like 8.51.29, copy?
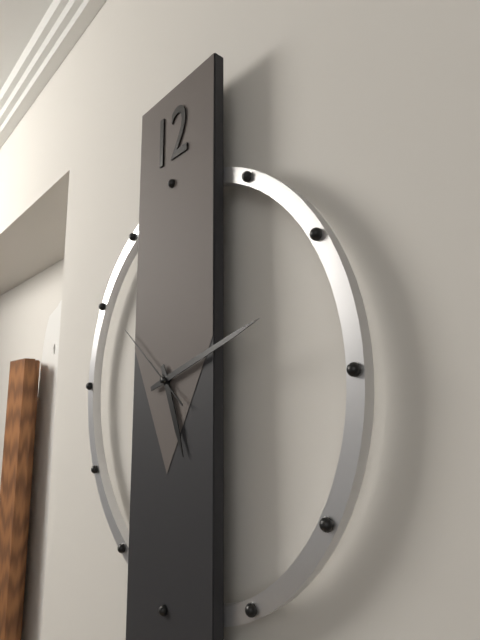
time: 5.12.51
